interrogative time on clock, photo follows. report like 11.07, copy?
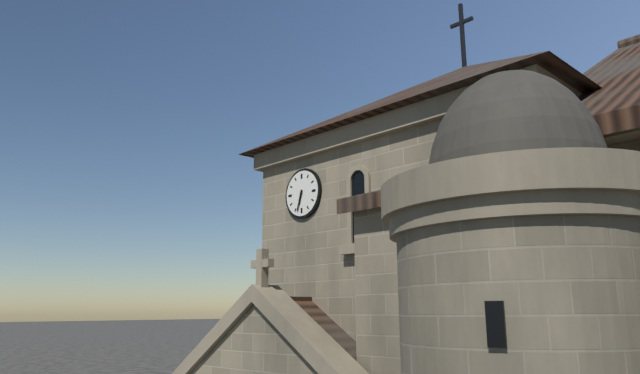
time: 6.33
